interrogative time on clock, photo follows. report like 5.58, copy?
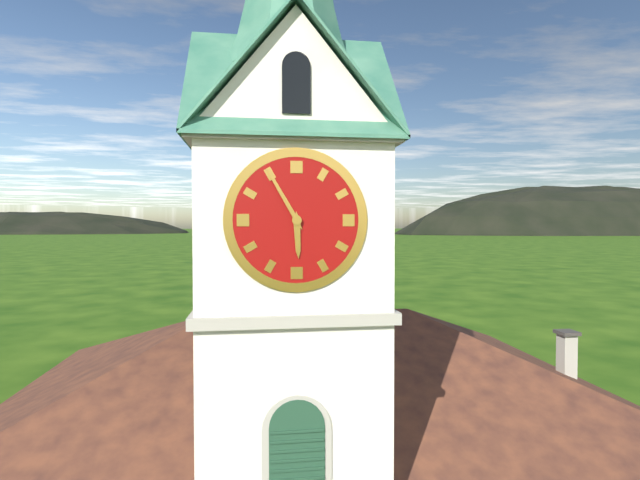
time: 5.55
